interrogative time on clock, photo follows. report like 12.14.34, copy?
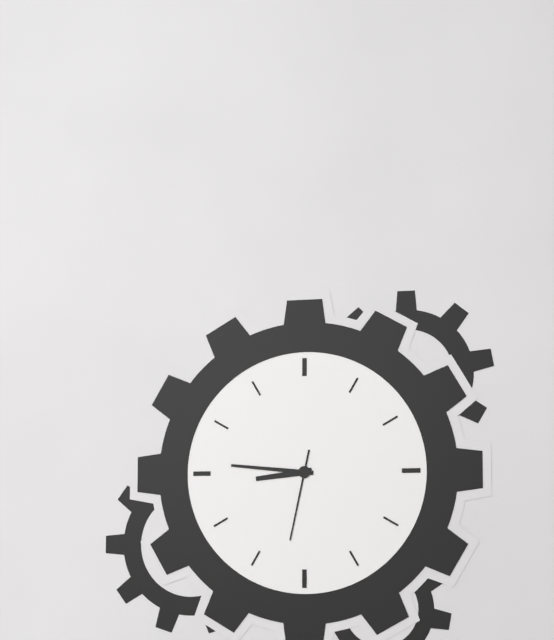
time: 8.46.32
